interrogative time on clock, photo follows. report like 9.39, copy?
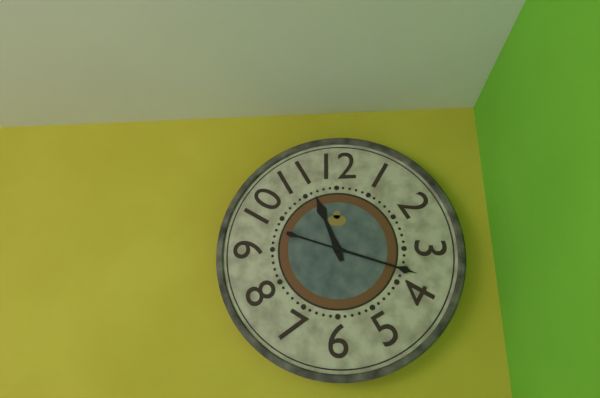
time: 11.18
